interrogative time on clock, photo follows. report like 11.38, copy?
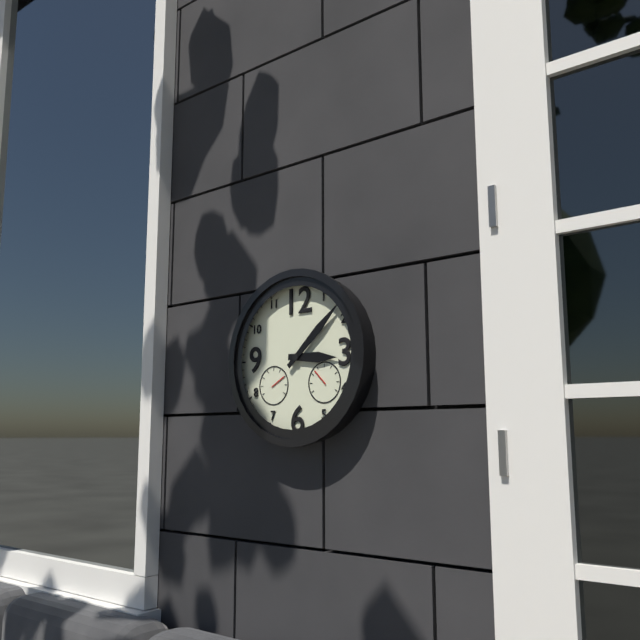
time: 3.08
